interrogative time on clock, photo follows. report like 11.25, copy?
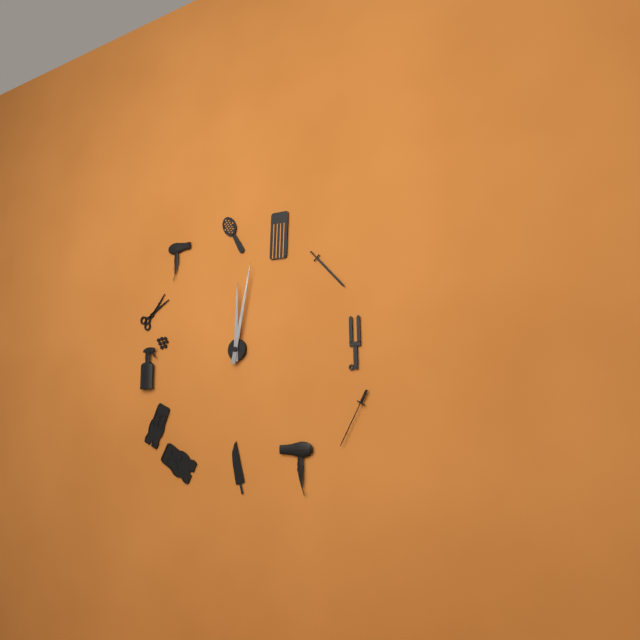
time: 12.02
